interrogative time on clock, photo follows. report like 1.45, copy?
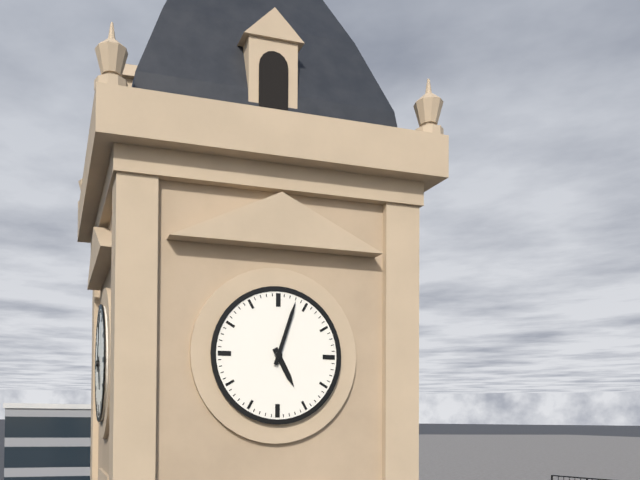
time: 5.03
